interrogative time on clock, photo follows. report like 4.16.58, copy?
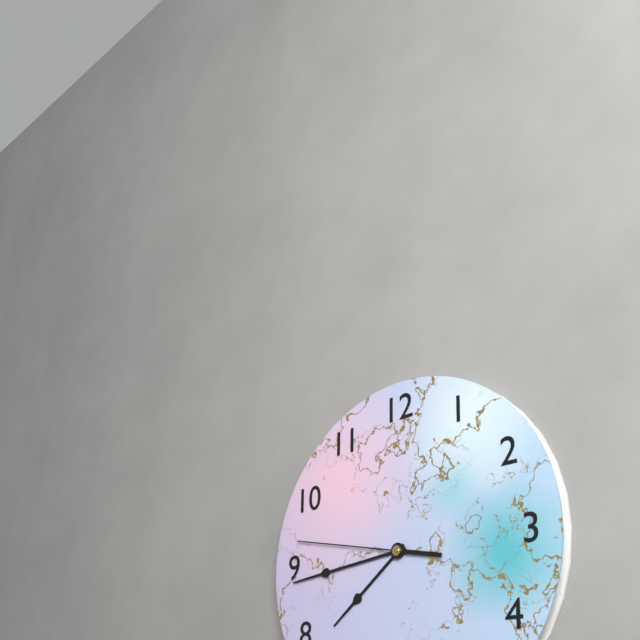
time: 7.44.47
